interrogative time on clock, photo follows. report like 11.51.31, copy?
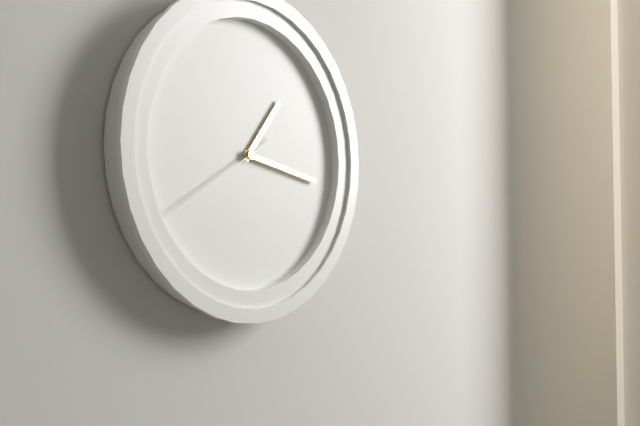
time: 1.17.40
